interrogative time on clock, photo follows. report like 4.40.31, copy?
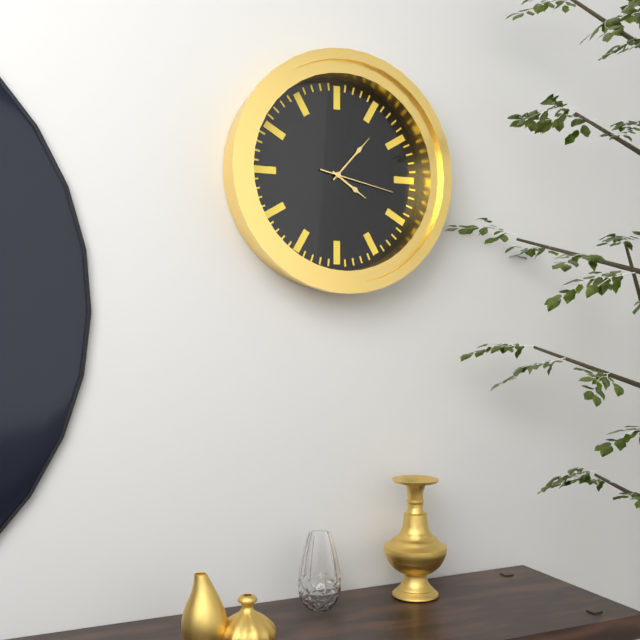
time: 4.07.17
